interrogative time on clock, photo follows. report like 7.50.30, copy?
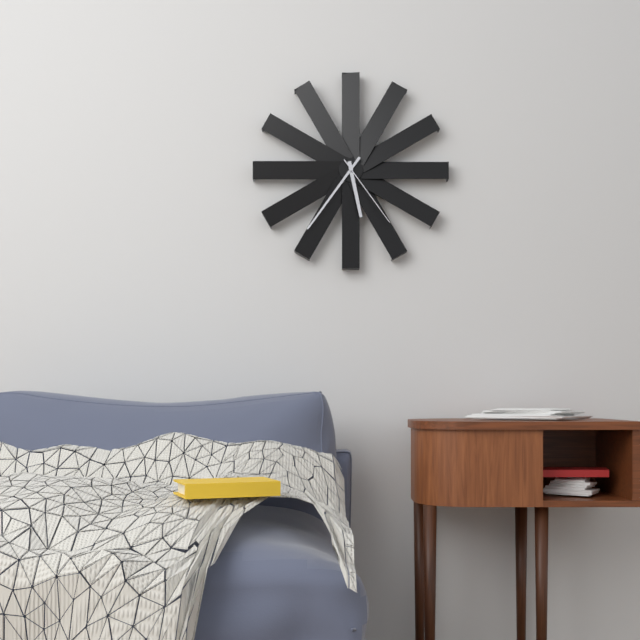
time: 5.36.24
